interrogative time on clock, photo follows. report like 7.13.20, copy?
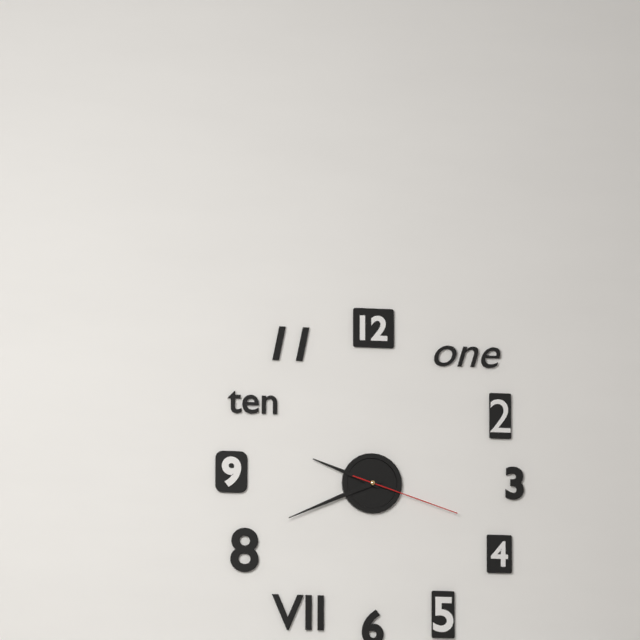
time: 9.41.18
